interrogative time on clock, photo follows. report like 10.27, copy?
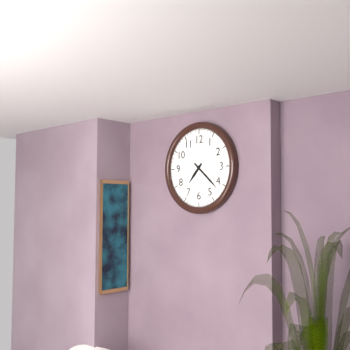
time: 7.22
